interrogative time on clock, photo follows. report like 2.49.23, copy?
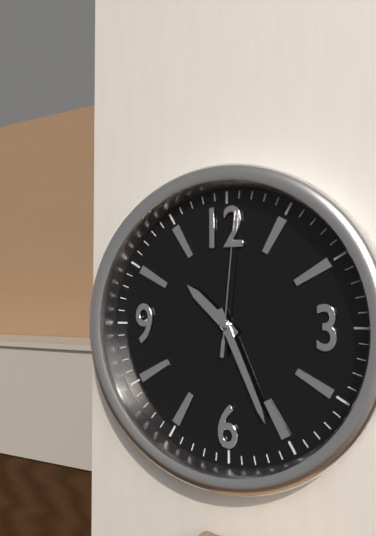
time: 10.26.01
